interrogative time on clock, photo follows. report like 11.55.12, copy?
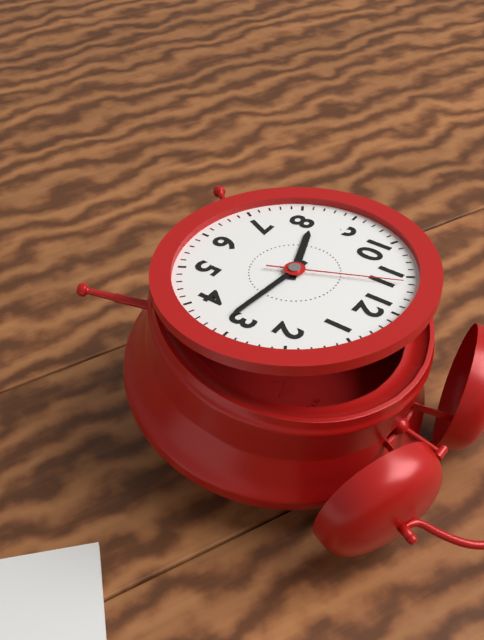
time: 8.16.56
